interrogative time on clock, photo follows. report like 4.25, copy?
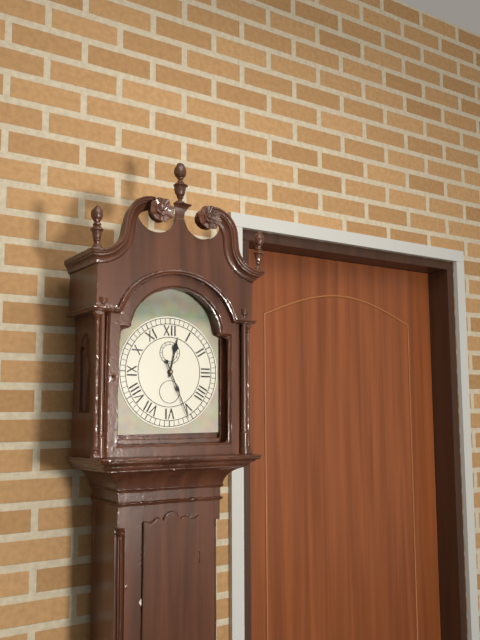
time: 12.26
